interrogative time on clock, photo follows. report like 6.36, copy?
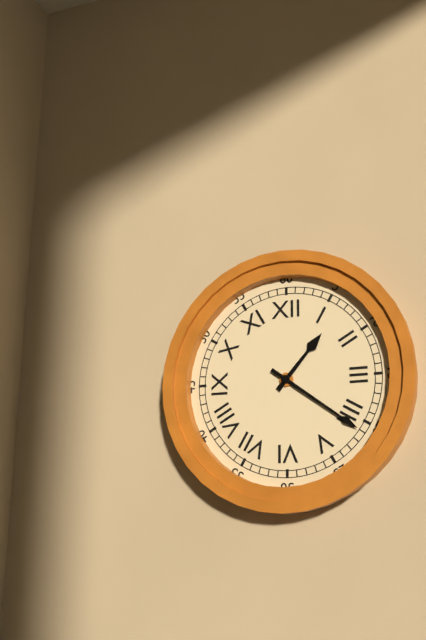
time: 1.21
